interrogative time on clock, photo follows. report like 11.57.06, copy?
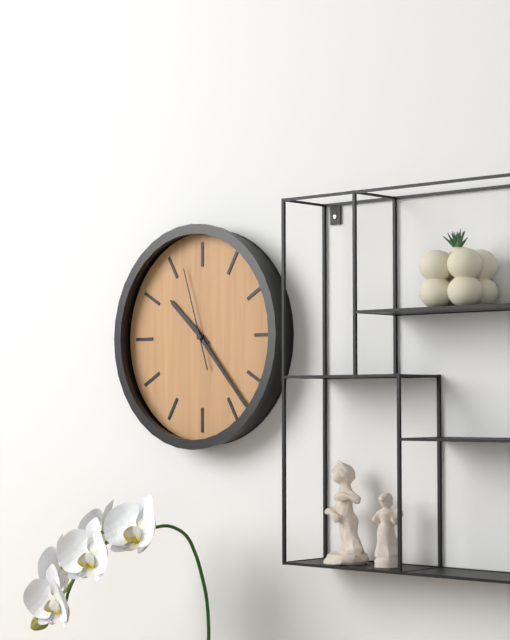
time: 10.23.57
